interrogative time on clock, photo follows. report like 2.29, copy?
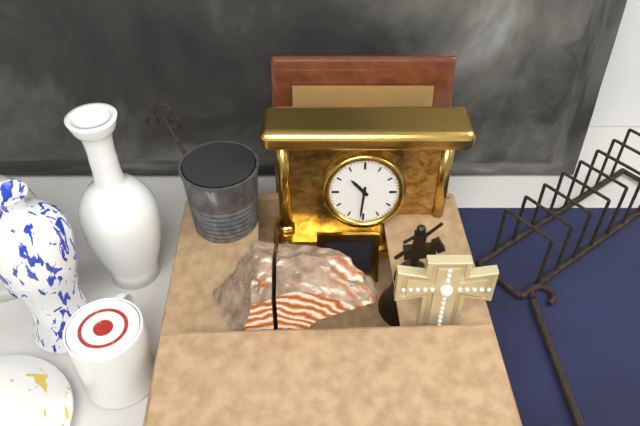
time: 10.31
